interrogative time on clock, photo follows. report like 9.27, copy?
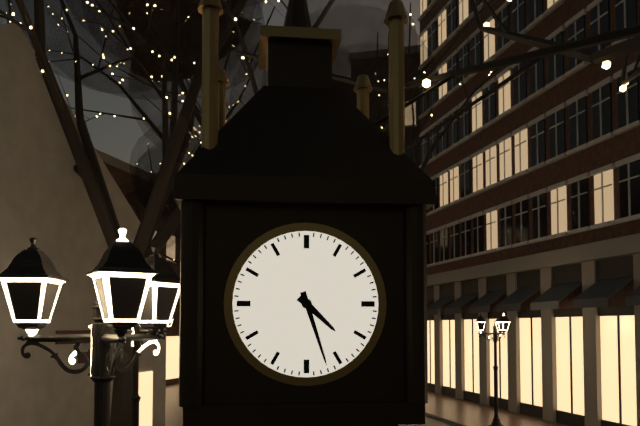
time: 4.27
